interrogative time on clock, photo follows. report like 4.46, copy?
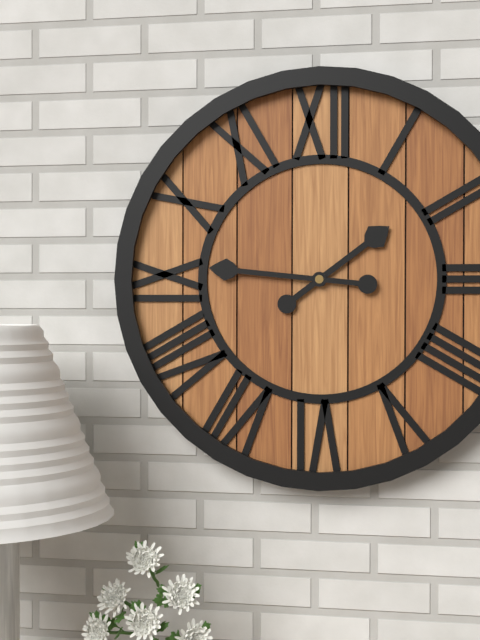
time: 1.46
